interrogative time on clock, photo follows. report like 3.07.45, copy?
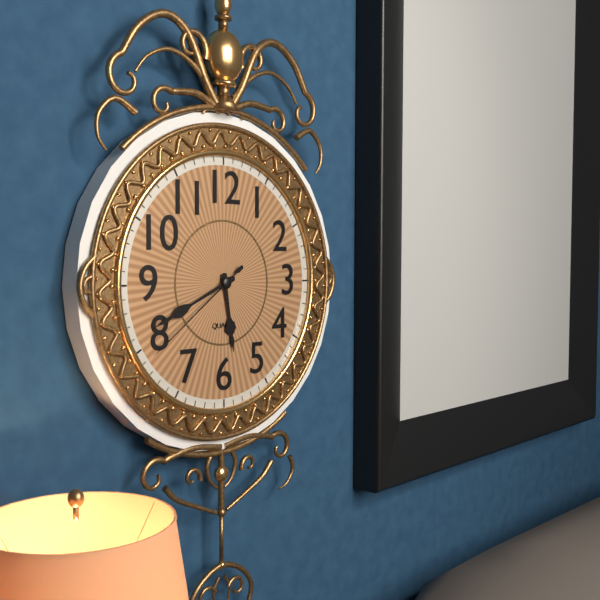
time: 5.41.39
